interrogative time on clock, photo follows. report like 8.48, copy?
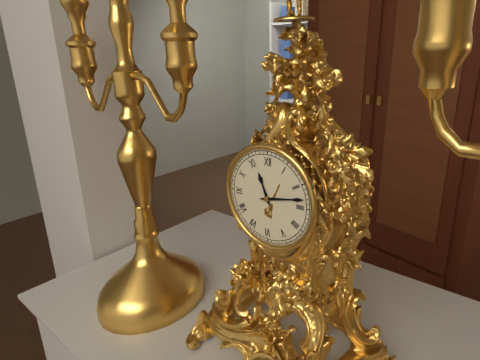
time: 11.13
